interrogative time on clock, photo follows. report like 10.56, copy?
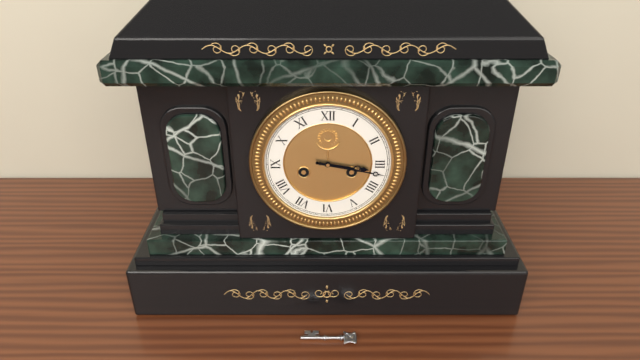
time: 3.17
